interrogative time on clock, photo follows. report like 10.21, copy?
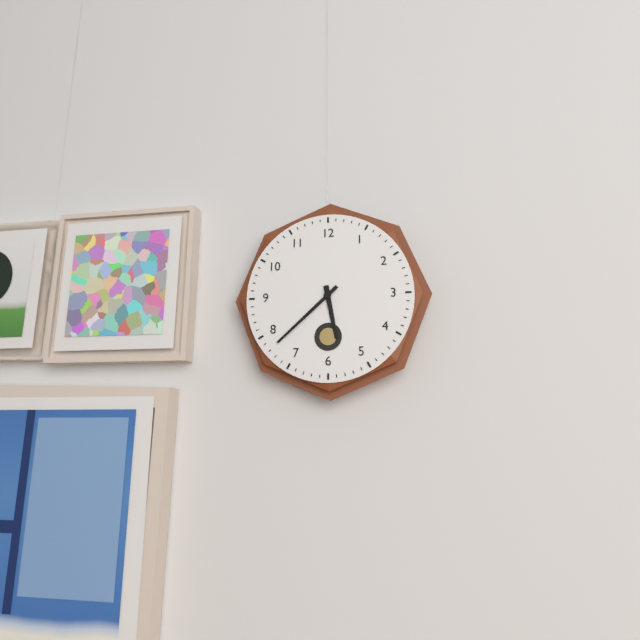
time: 5.38
